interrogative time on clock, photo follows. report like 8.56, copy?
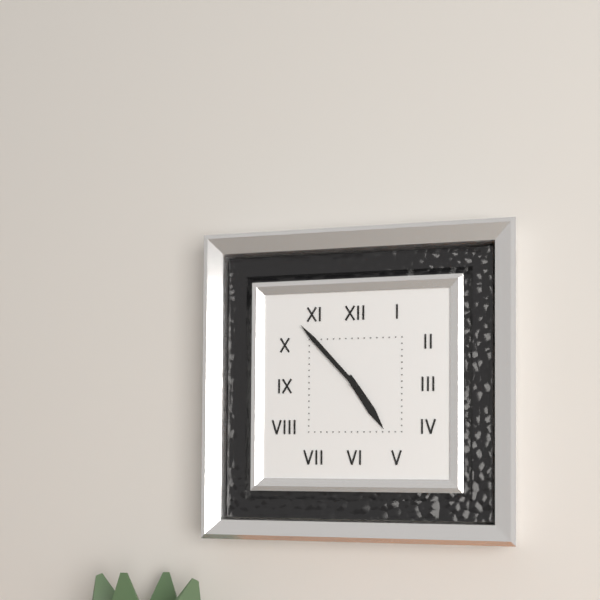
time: 4.53
